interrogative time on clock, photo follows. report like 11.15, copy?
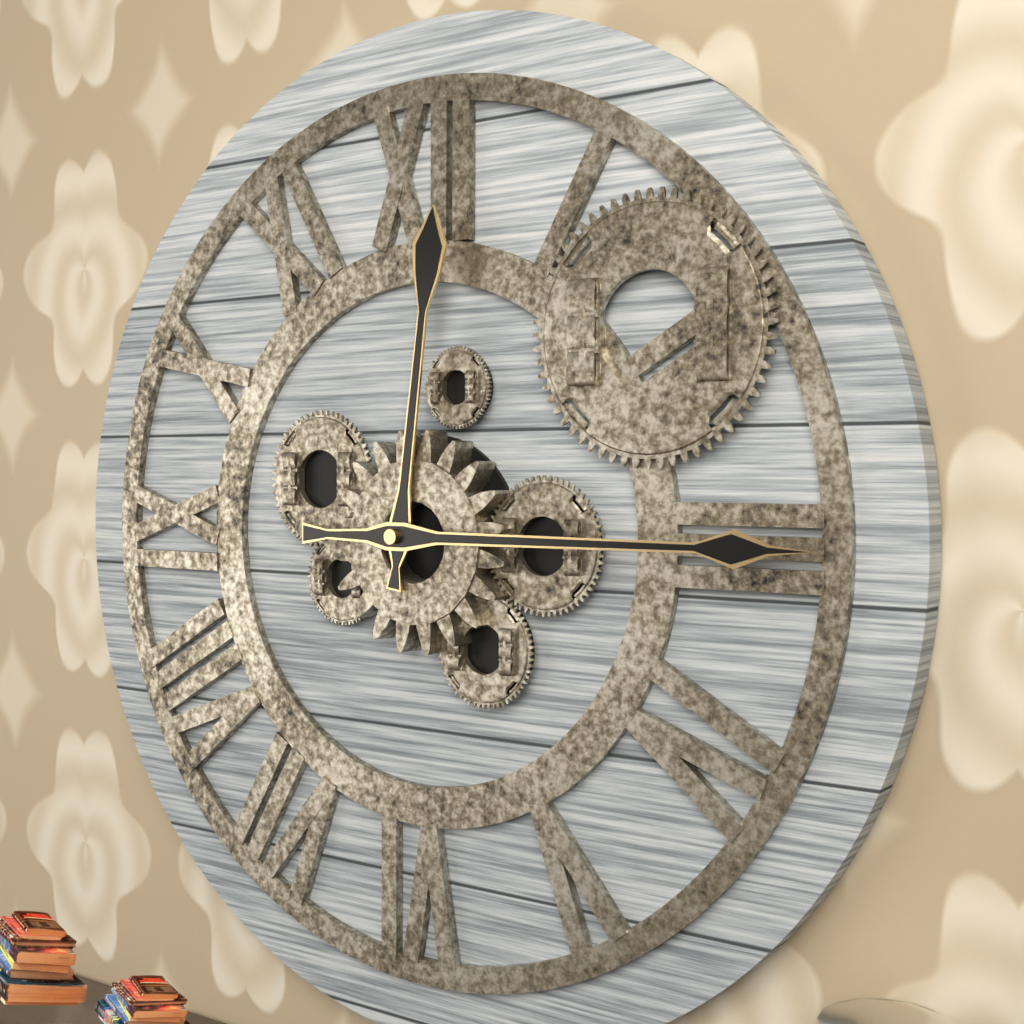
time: 12.15
